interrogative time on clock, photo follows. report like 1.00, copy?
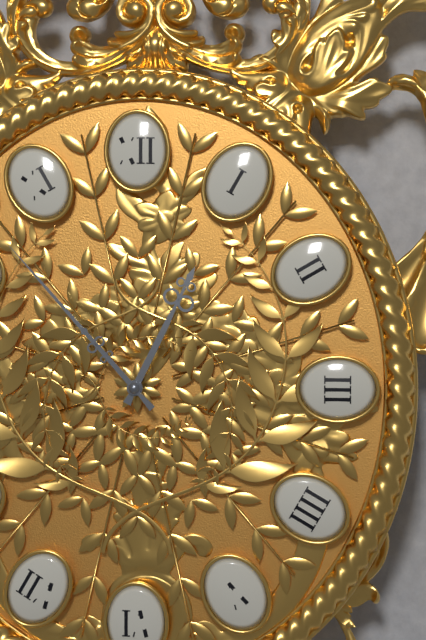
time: 12.53
